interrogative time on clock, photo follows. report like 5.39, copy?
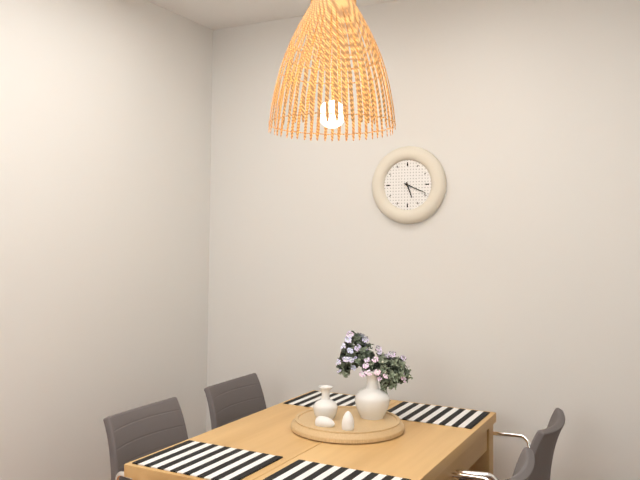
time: 5.19
